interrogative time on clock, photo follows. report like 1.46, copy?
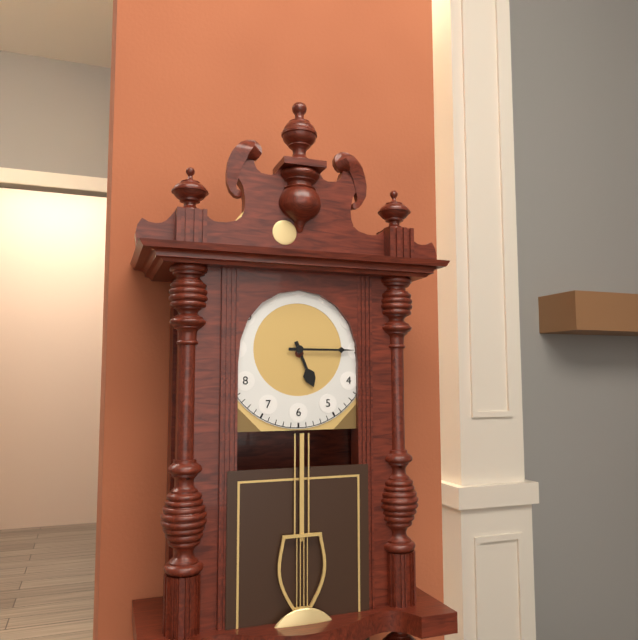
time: 5.15
